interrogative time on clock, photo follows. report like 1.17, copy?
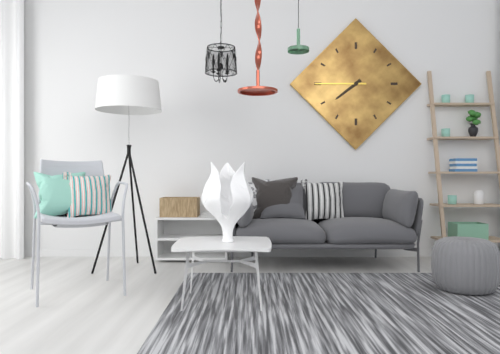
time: 7.45
